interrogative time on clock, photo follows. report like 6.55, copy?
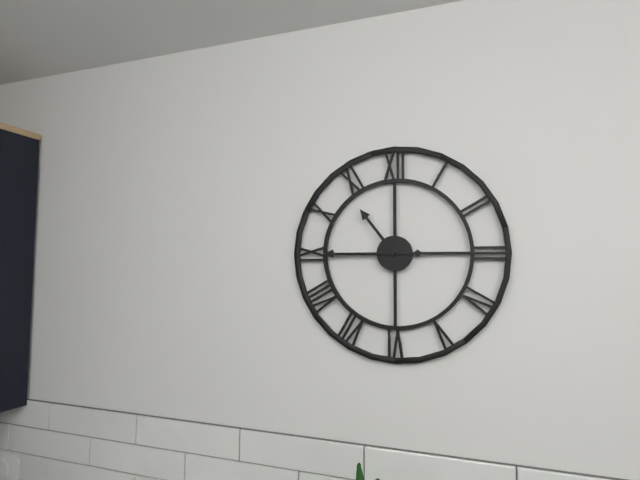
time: 10.45
